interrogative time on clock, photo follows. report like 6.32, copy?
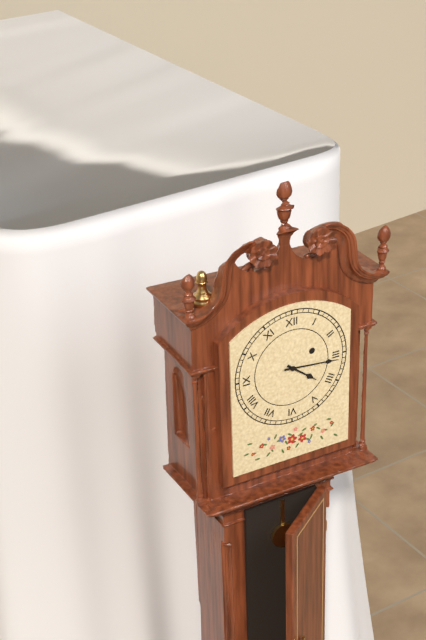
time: 4.16
